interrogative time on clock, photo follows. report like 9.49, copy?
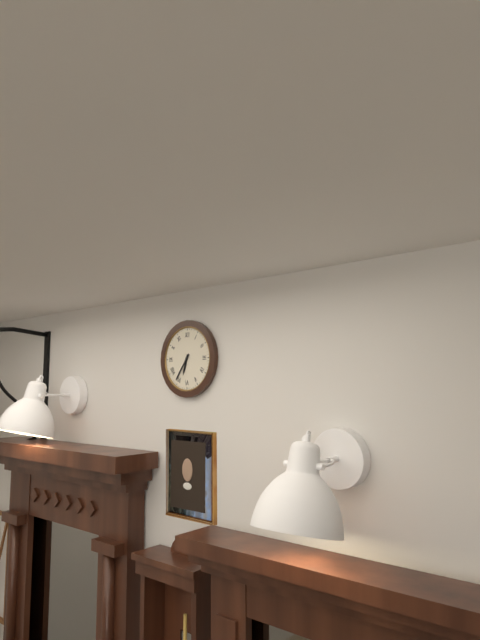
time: 6.36
